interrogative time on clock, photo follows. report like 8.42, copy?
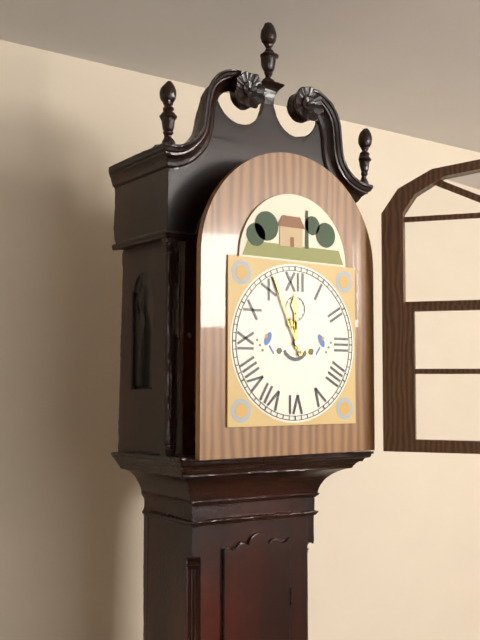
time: 11.56
